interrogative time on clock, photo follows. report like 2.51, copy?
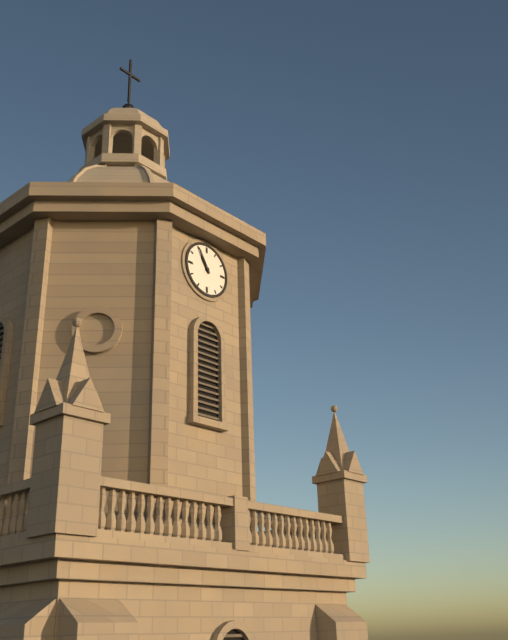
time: 10.55
